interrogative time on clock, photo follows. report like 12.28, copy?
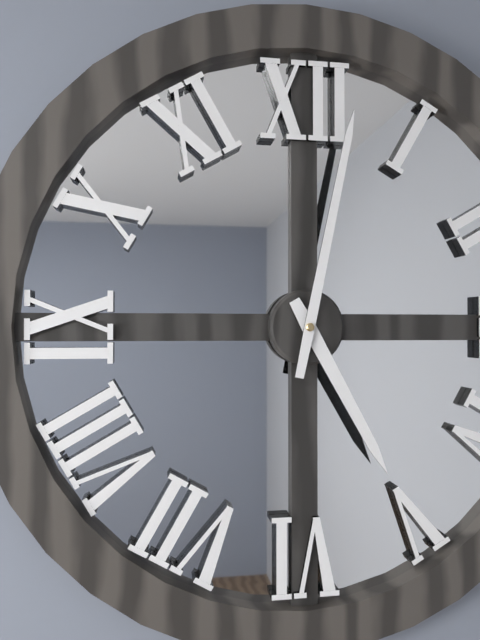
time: 5.02
